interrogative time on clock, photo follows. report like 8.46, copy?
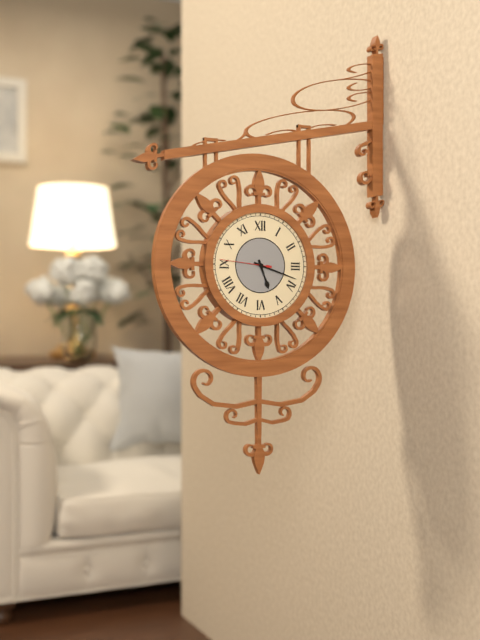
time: 5.18
